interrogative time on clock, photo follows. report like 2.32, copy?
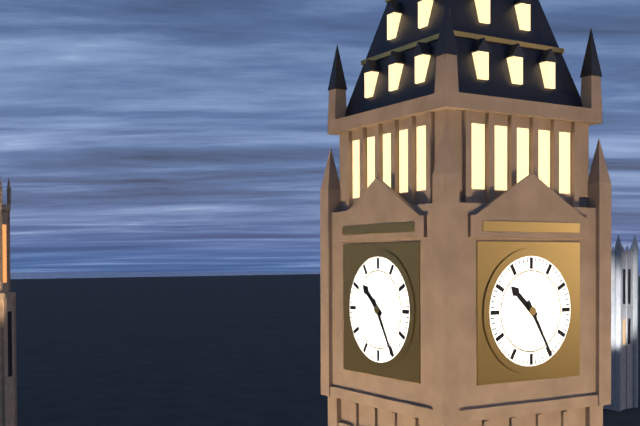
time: 10.25
